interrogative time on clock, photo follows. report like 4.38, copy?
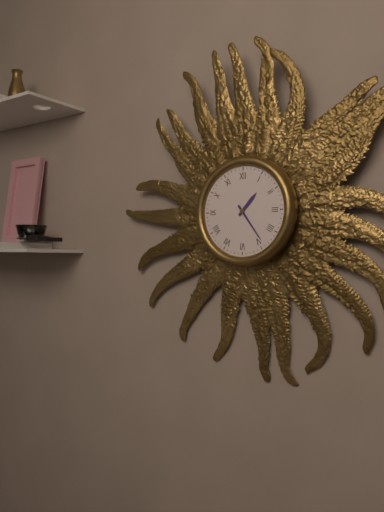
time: 1.24
